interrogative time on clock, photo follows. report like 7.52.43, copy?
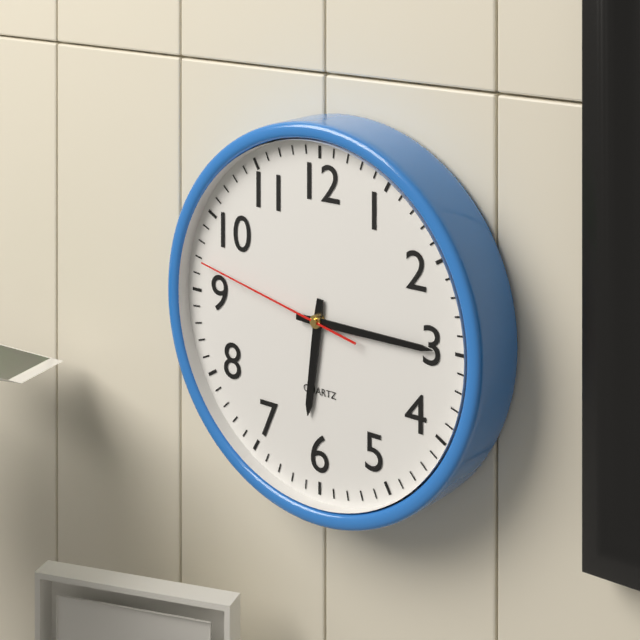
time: 6.15.47
